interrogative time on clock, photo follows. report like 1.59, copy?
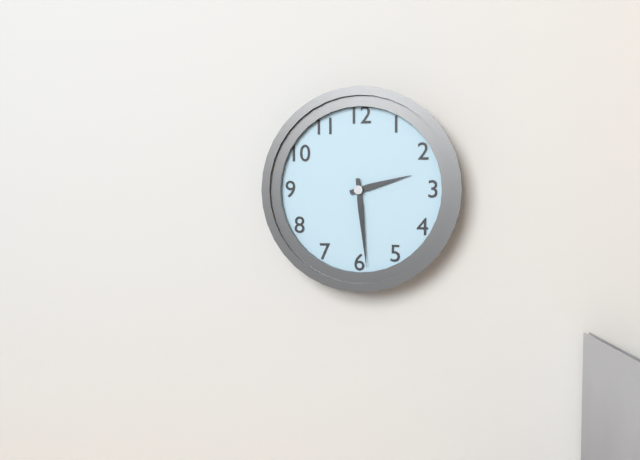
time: 2.29
